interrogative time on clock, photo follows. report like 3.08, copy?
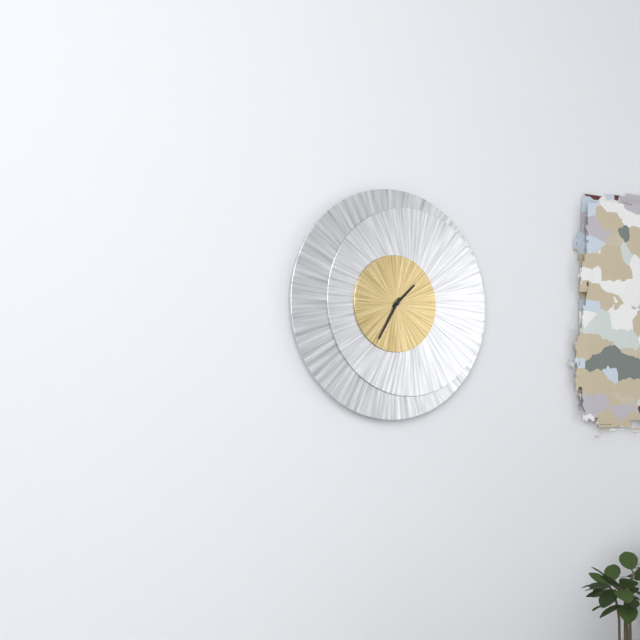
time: 1.35
